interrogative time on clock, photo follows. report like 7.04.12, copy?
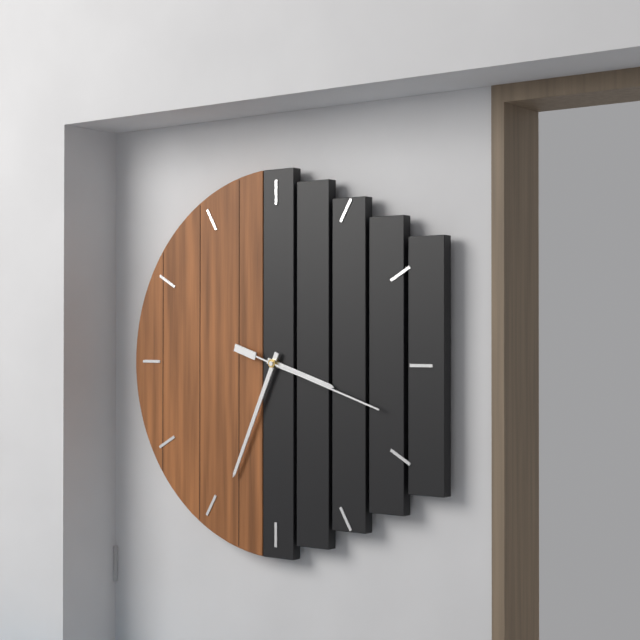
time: 3.34.18
